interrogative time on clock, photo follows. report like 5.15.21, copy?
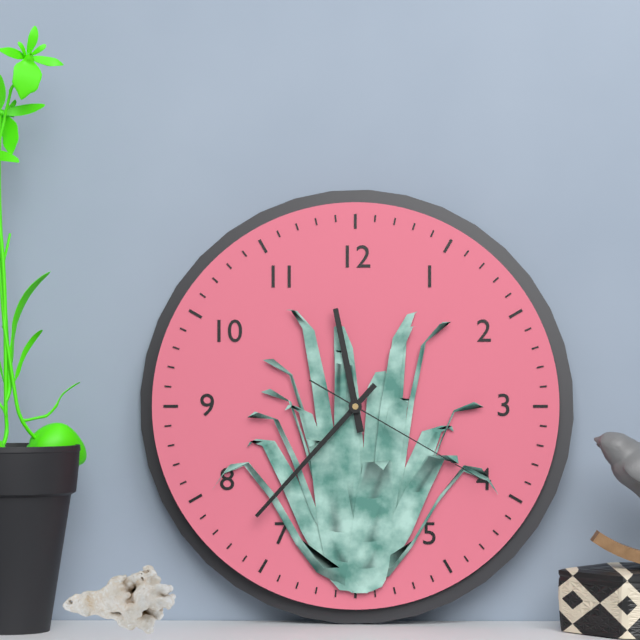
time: 11.37.20
